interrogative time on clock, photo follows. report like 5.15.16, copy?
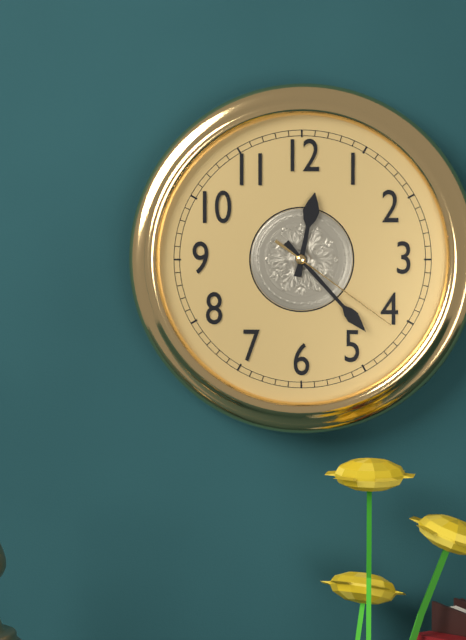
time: 12.23.21
